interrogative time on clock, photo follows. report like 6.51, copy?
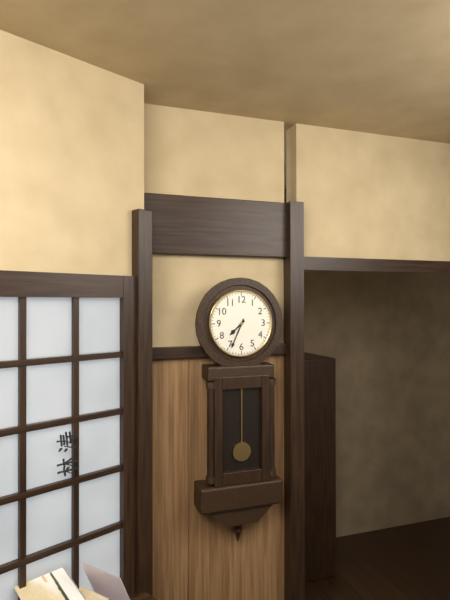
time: 7.34
